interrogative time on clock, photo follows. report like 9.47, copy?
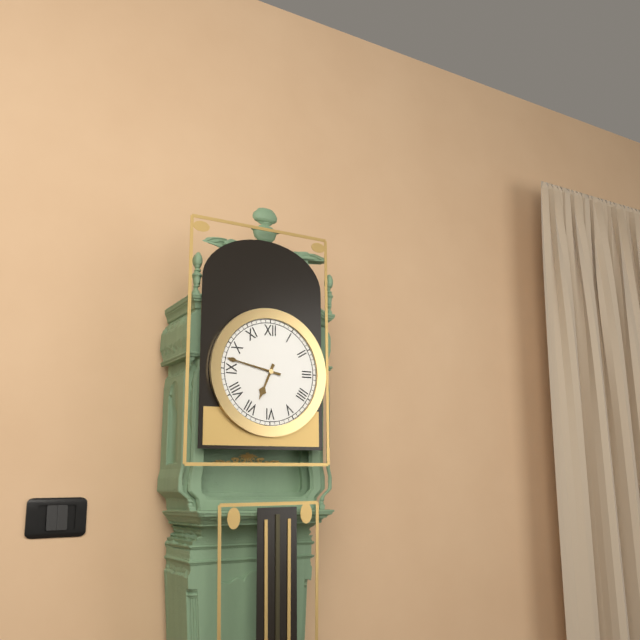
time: 6.47
